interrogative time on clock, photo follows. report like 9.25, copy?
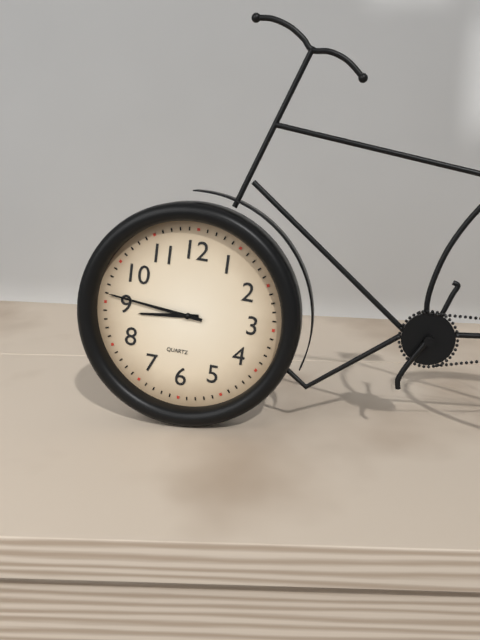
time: 8.46
